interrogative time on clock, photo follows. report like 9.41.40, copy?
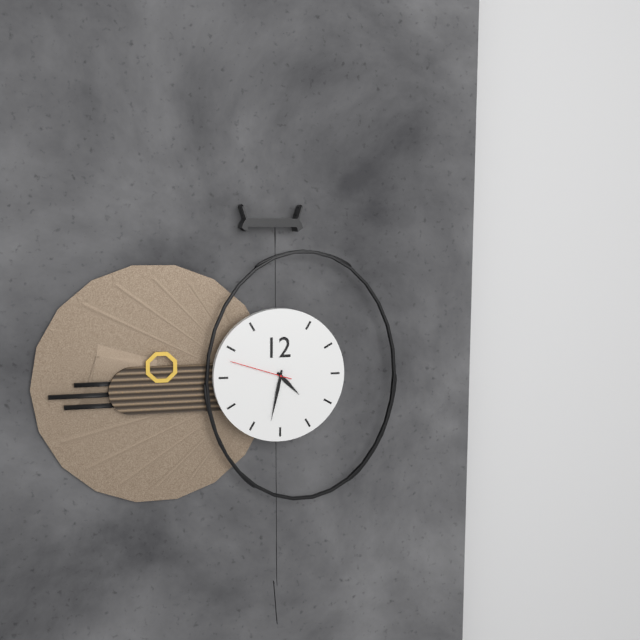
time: 4.32.48
